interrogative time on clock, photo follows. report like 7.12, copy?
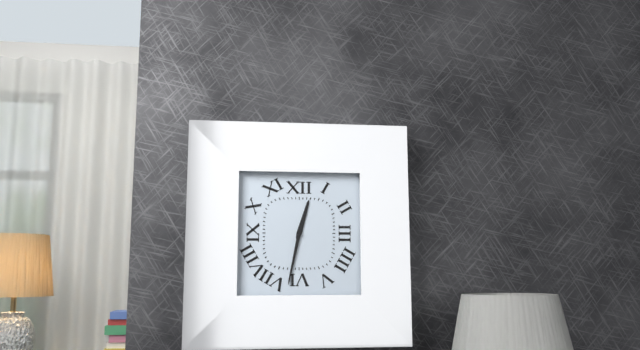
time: 12.32
